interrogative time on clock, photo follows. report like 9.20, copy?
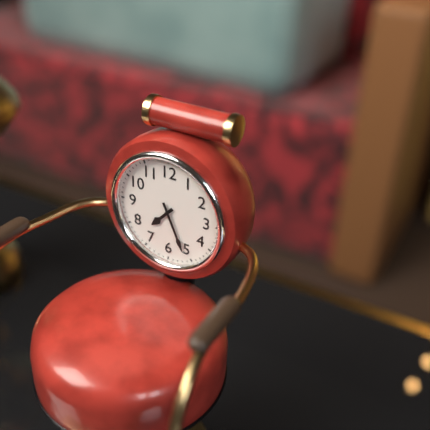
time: 7.26
